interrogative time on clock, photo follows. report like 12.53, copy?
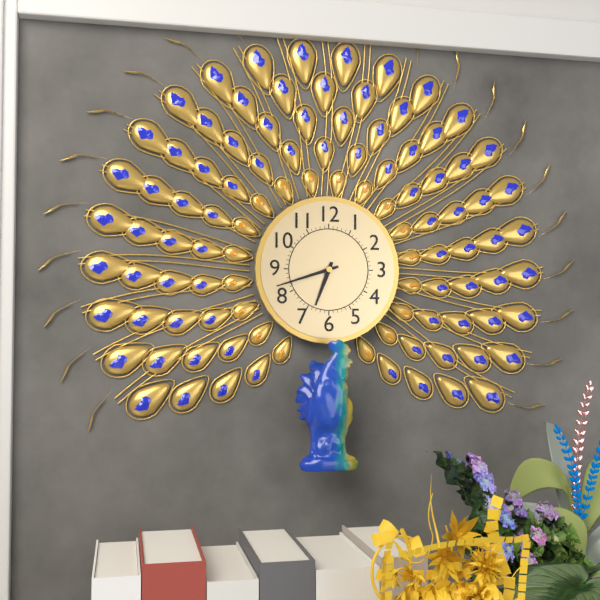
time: 6.42
